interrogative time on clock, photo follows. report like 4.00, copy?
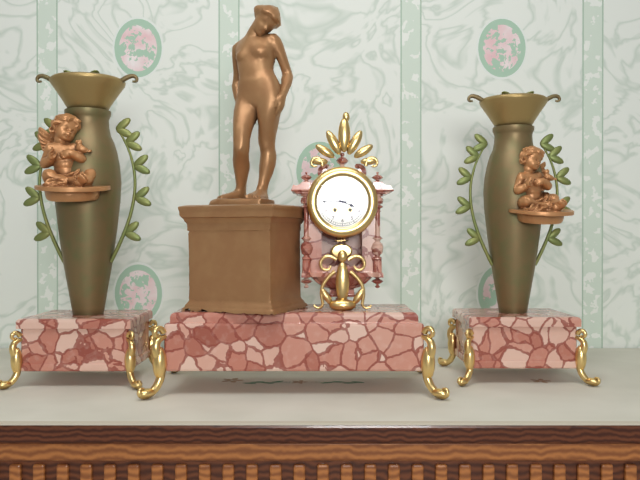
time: 3.45
